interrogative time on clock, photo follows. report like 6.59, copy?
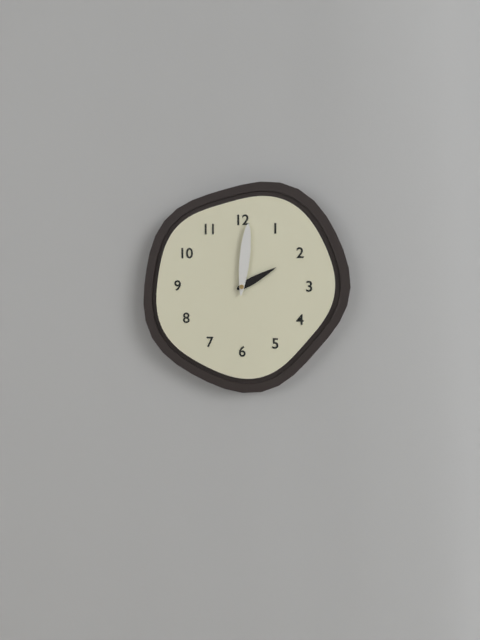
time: 2.01
